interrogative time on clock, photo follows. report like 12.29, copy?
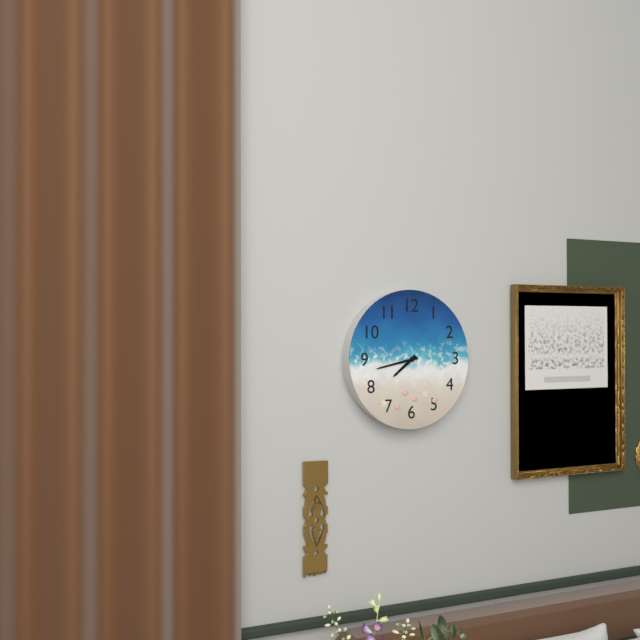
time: 7.43
